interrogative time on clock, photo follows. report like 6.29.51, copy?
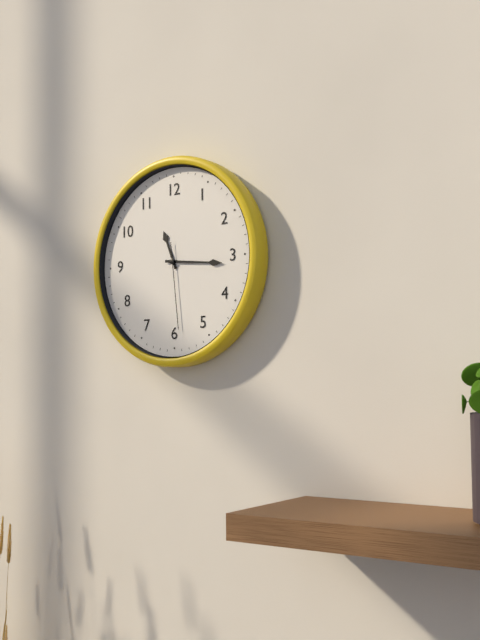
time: 11.16.29
